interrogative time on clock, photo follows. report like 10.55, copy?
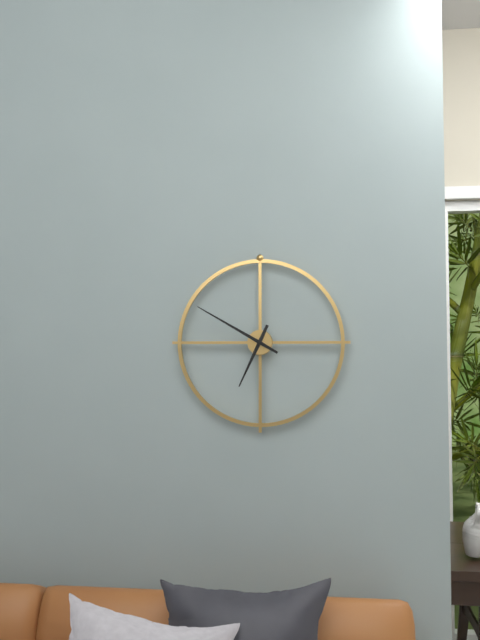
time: 6.50
